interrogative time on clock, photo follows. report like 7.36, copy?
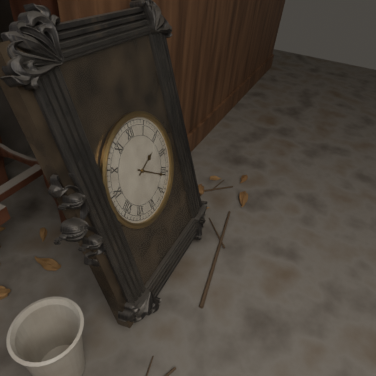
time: 2.21
